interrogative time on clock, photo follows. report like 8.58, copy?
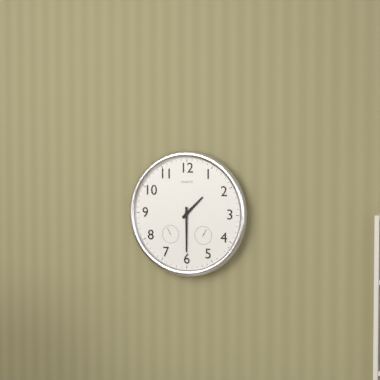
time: 1.30
